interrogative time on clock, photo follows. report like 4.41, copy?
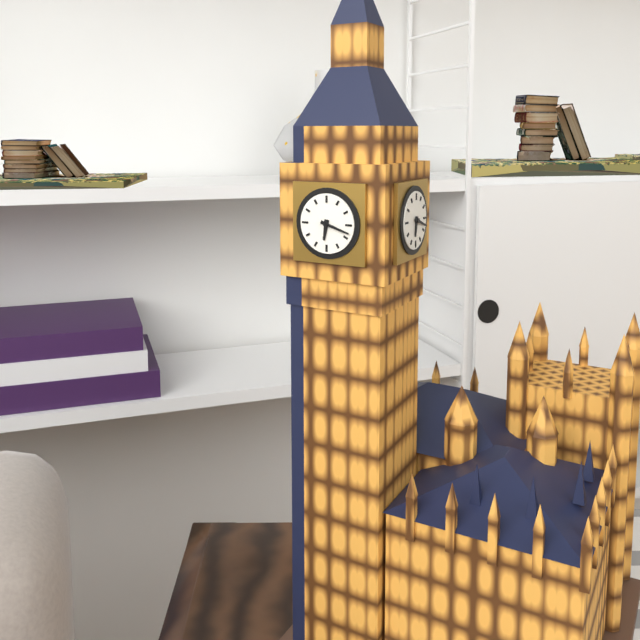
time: 6.18
